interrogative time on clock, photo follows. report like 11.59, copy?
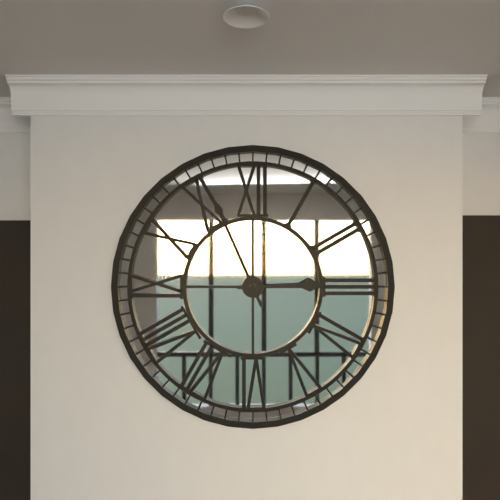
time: 2.56
